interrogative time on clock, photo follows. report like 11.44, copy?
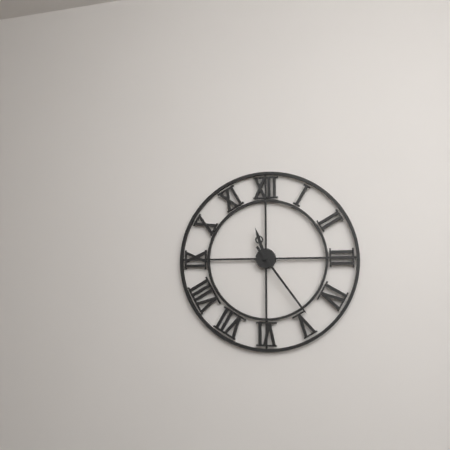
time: 11.24
